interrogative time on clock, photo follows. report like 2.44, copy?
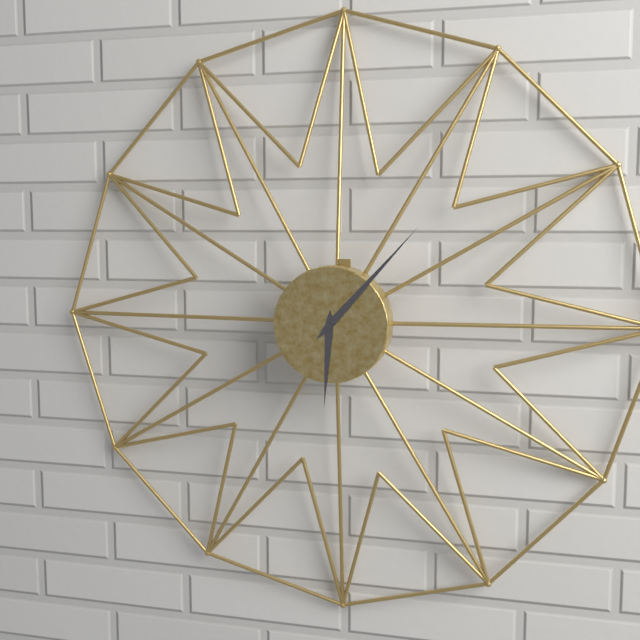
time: 6.07
